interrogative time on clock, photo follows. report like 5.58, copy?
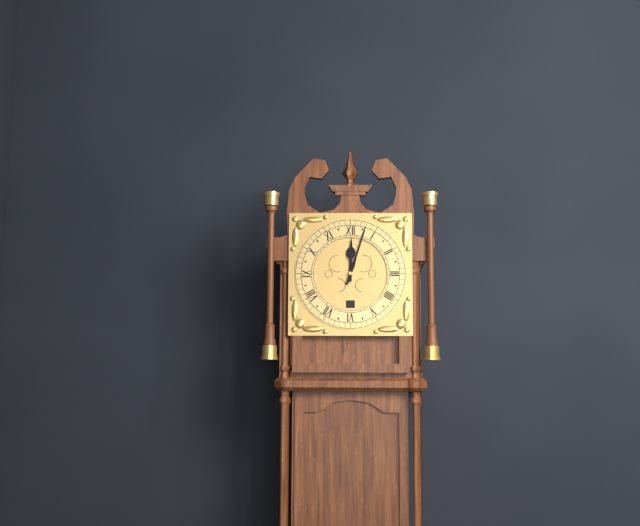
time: 12.03
